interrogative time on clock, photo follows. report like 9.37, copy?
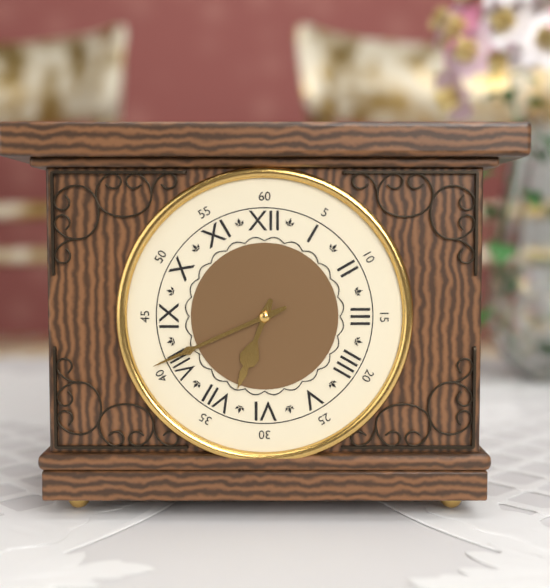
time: 6.41
